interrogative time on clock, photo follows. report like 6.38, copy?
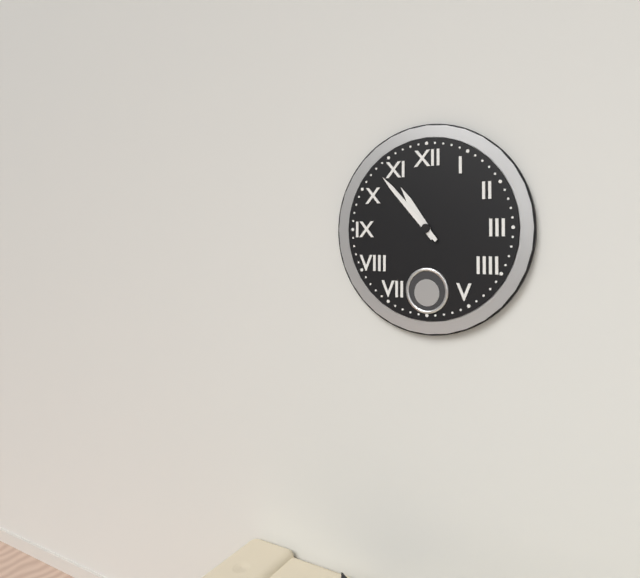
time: 10.53
